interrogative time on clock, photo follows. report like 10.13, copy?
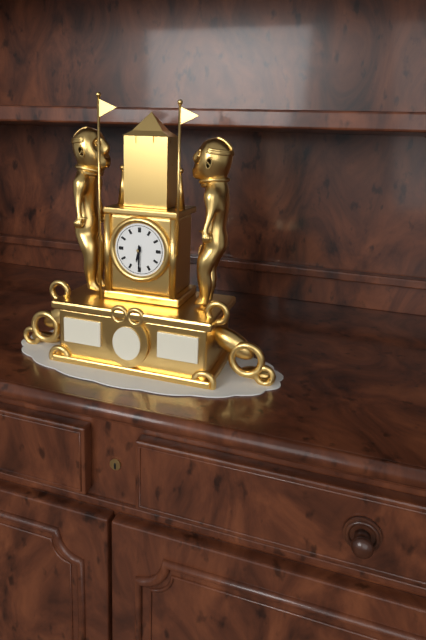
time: 6.30
